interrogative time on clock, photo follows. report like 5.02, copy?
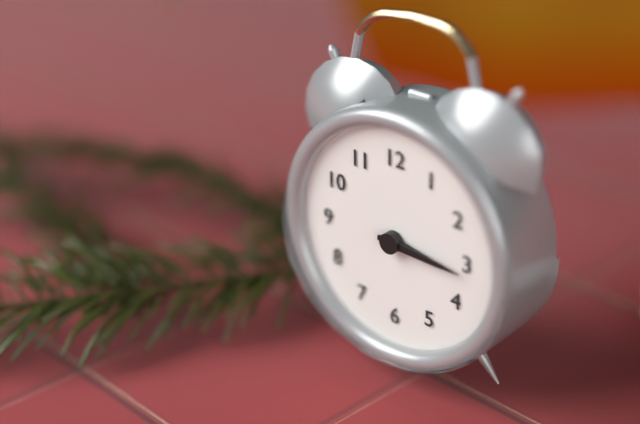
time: 3.16
